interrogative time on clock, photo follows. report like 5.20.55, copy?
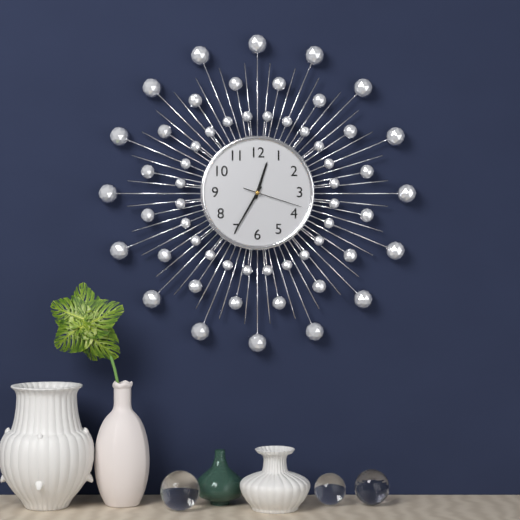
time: 12.35.18
